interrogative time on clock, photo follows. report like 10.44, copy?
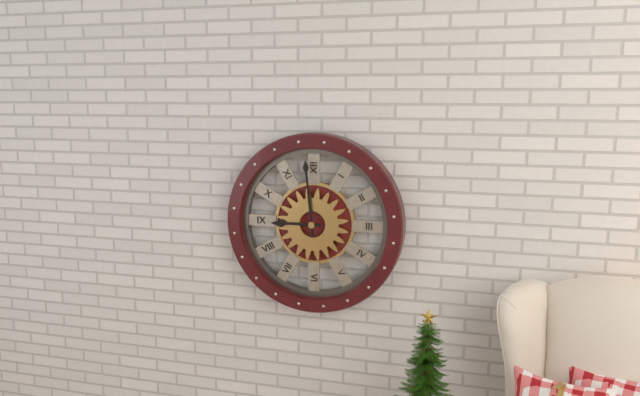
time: 8.59
